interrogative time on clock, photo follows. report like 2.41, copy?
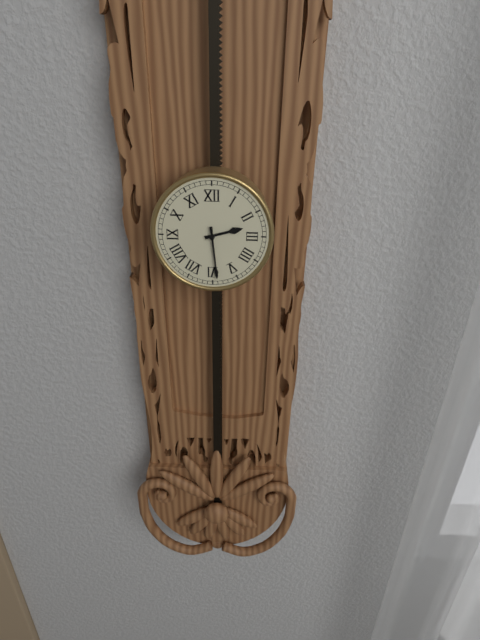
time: 2.29
